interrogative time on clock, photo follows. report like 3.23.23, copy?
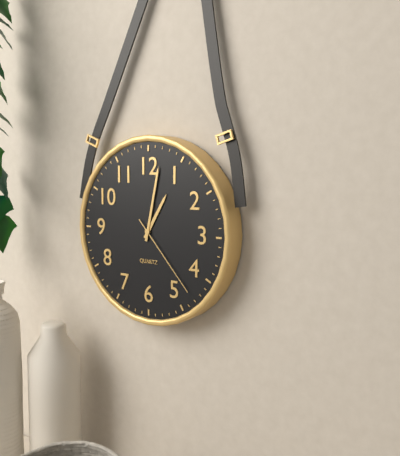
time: 1.02.23
